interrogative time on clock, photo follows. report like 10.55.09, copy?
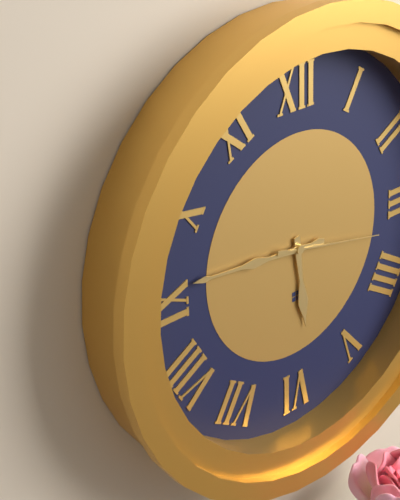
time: 5.46.17
